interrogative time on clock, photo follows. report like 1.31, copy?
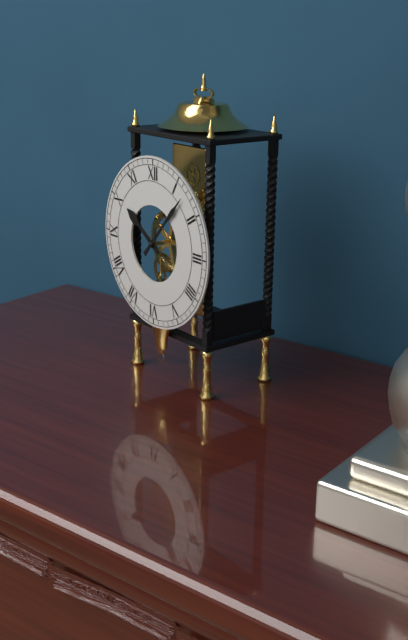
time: 10.07
